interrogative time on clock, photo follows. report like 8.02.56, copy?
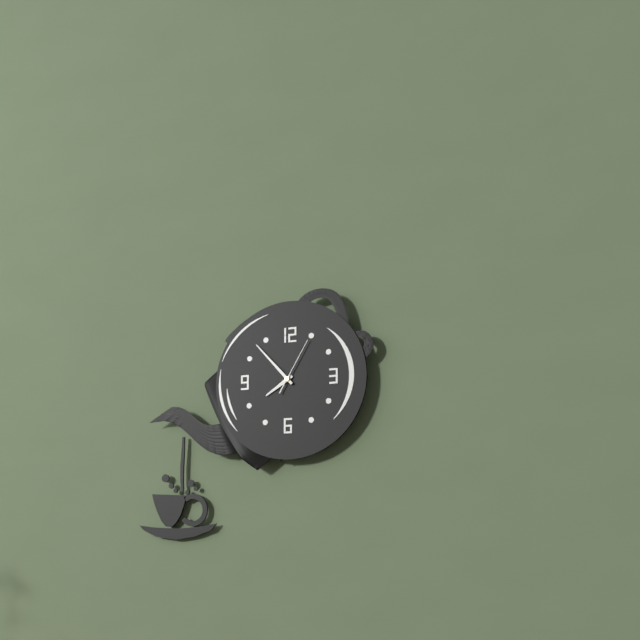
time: 7.53.05
